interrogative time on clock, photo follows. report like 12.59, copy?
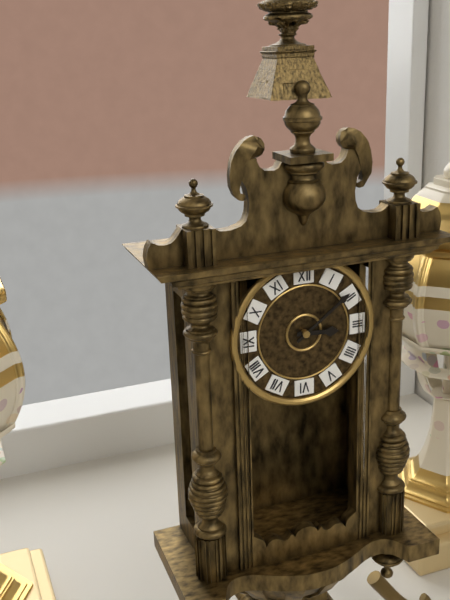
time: 3.09
